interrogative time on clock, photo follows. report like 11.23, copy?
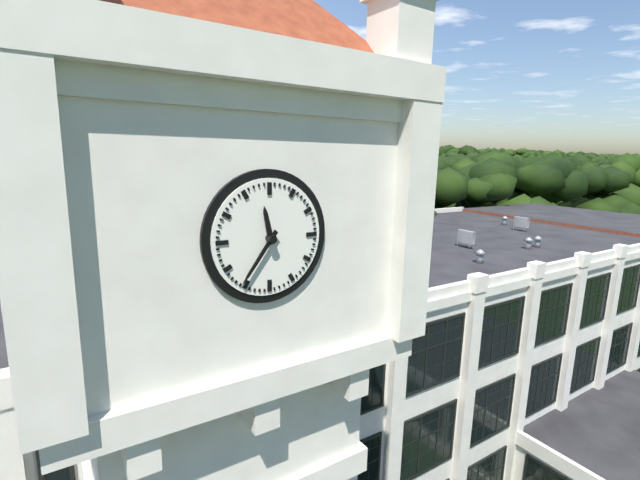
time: 11.36
